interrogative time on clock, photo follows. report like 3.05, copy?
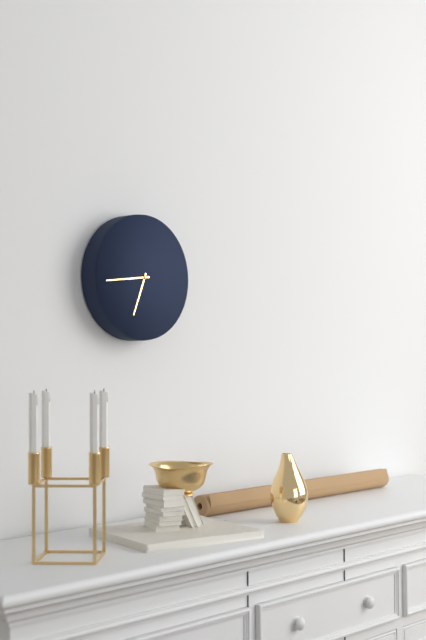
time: 6.44
